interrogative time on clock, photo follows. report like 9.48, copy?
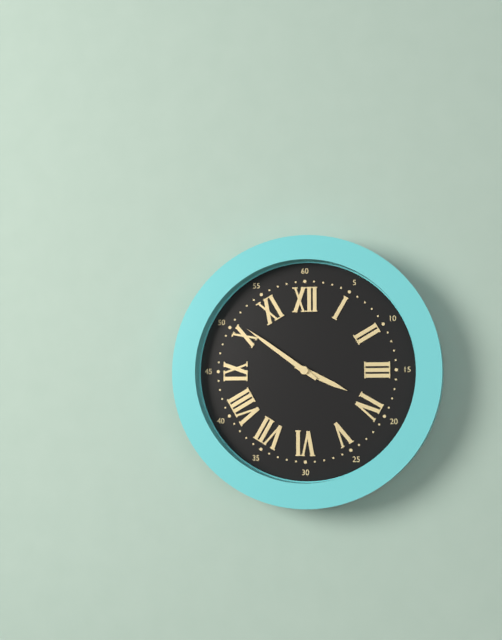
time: 3.51
